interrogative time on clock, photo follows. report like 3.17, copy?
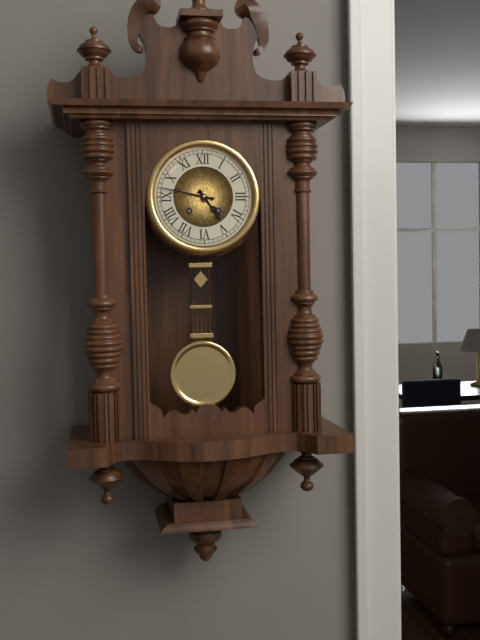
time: 4.47
